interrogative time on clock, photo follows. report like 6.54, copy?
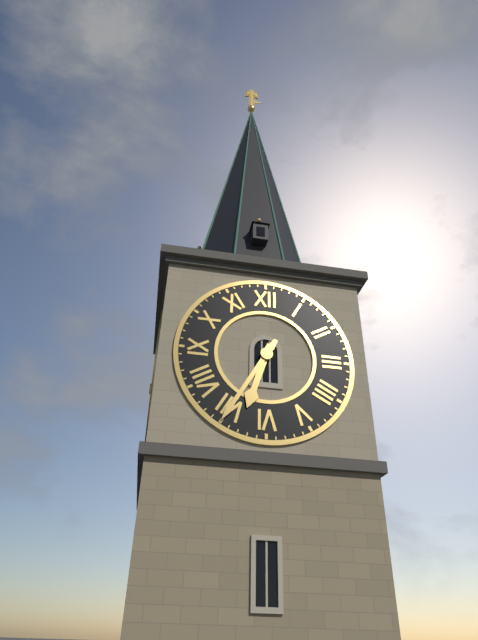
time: 6.35
